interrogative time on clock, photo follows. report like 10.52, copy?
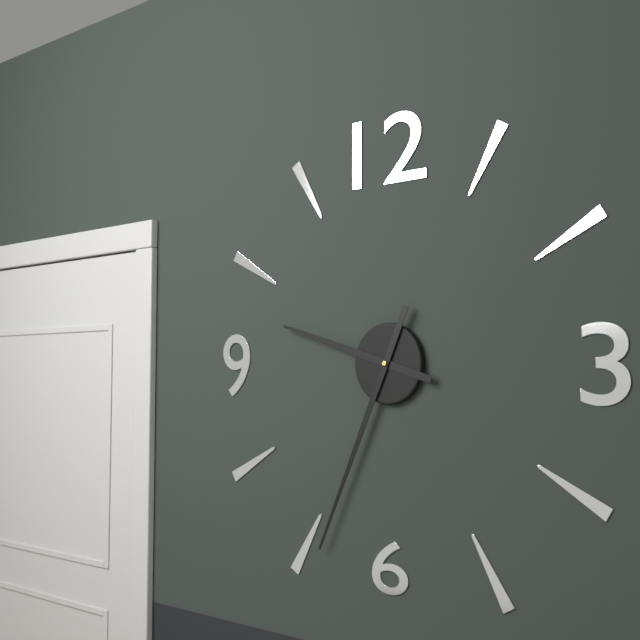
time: 9.34
